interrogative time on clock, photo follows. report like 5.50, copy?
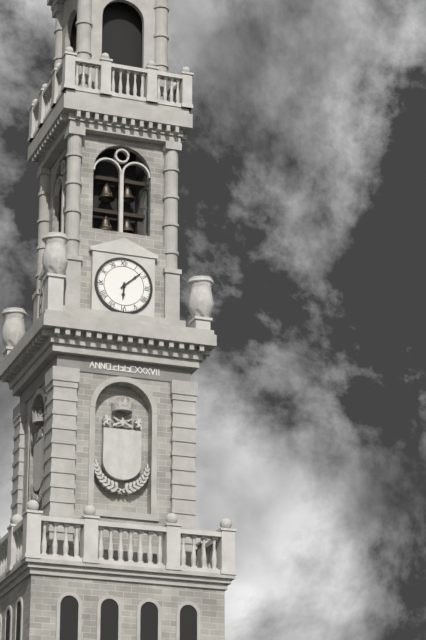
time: 6.08
